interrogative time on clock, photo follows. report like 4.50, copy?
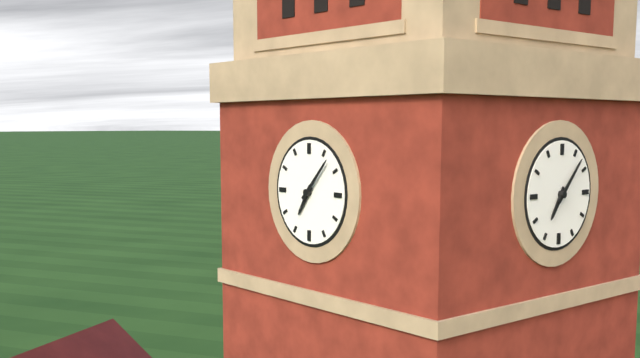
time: 7.07
